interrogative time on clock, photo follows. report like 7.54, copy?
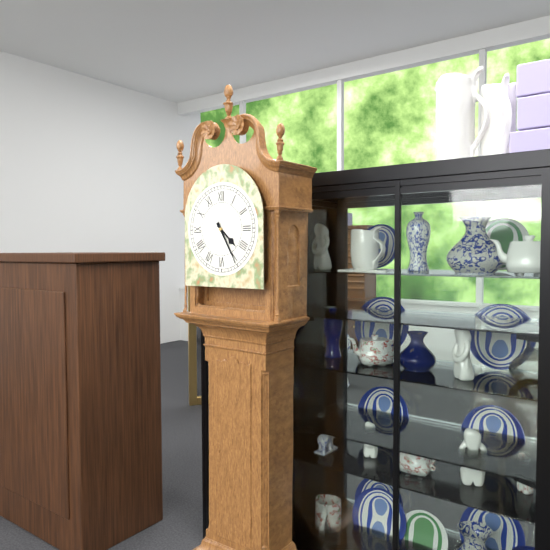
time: 4.25
